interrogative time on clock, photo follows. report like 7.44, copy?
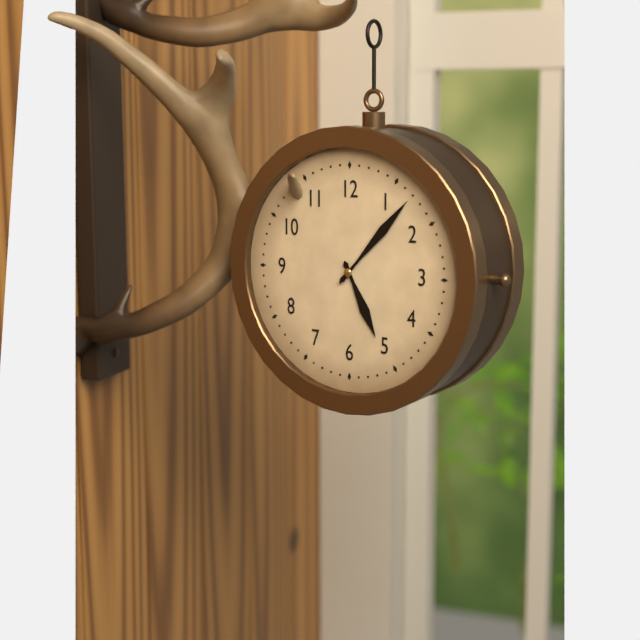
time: 5.07
